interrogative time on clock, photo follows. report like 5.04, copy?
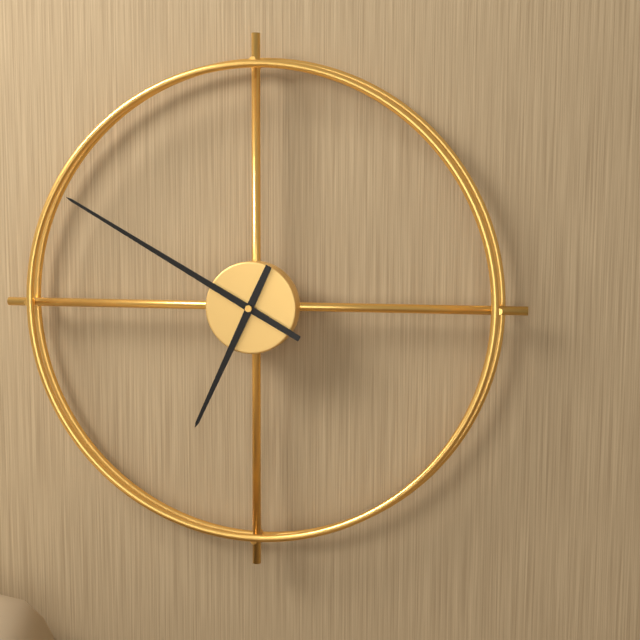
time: 6.50
